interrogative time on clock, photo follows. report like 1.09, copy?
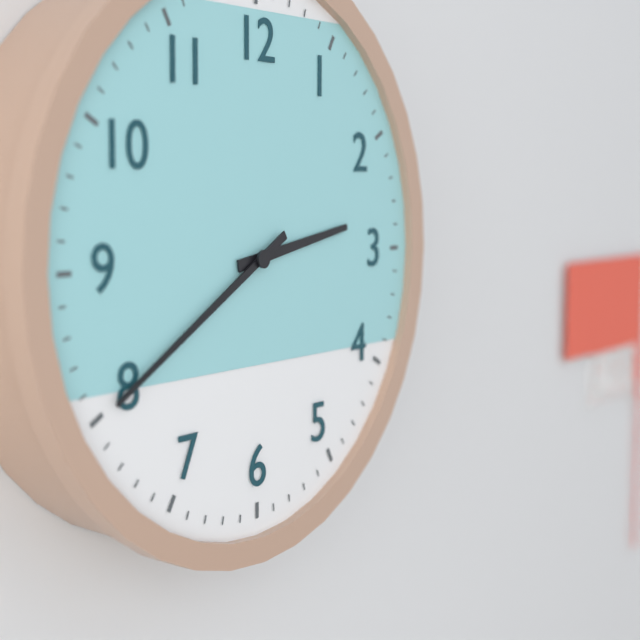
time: 2.40
